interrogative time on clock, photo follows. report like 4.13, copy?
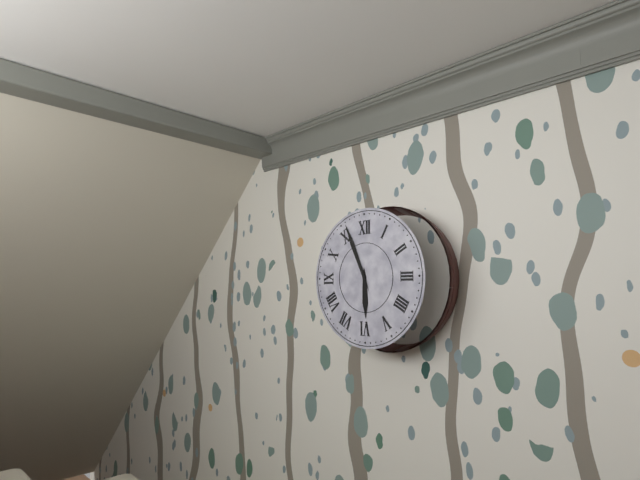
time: 5.56
